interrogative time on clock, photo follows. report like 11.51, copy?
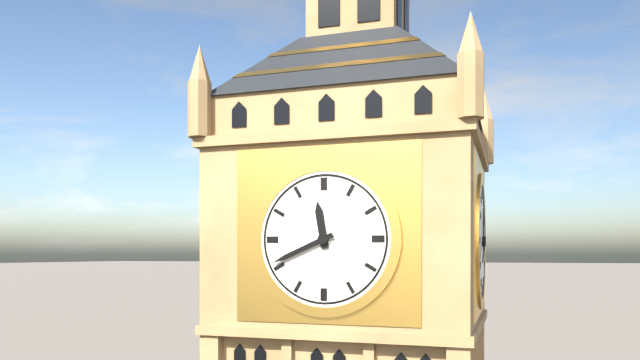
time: 11.41
